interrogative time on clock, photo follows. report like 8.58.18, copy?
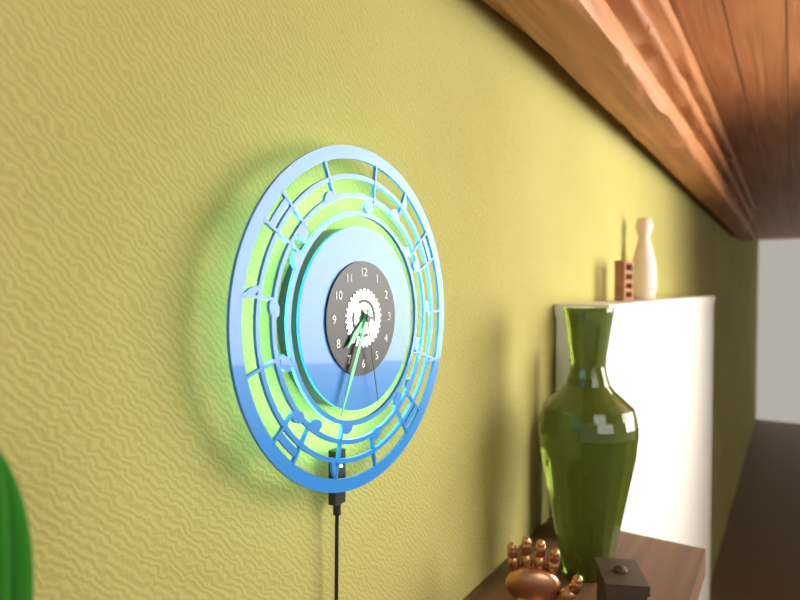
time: 7.34.28
